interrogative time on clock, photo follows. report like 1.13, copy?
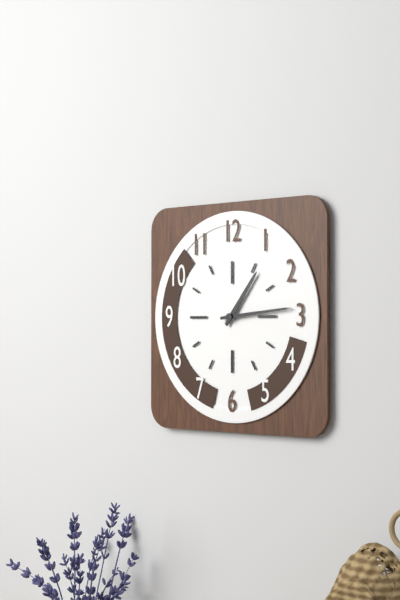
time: 1.14
